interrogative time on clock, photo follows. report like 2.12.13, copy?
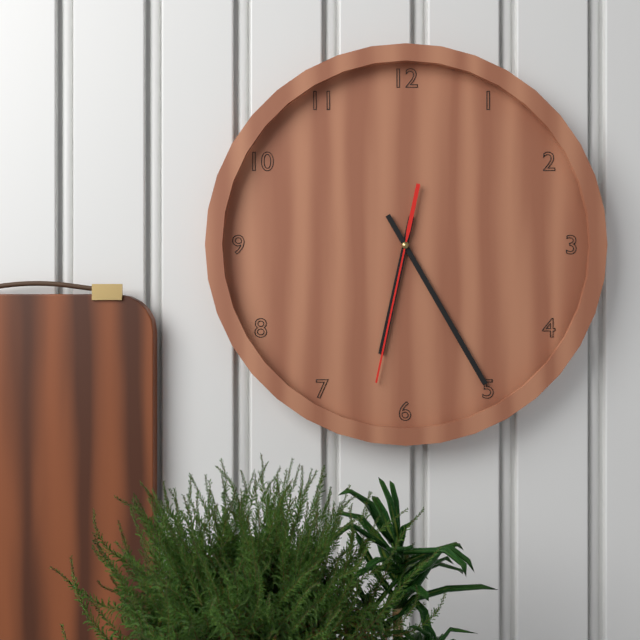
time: 6.25.32
